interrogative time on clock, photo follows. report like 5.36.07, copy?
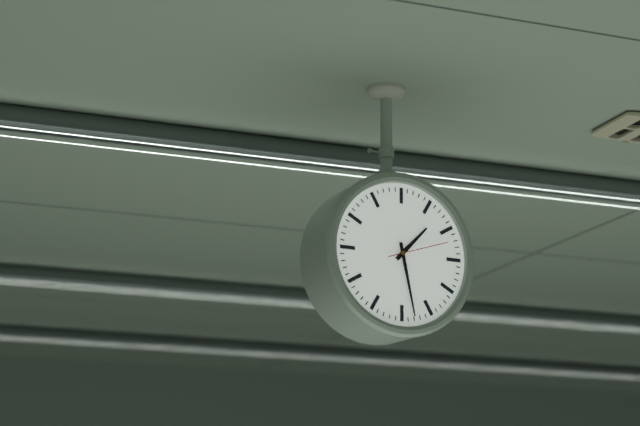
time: 1.28.12
